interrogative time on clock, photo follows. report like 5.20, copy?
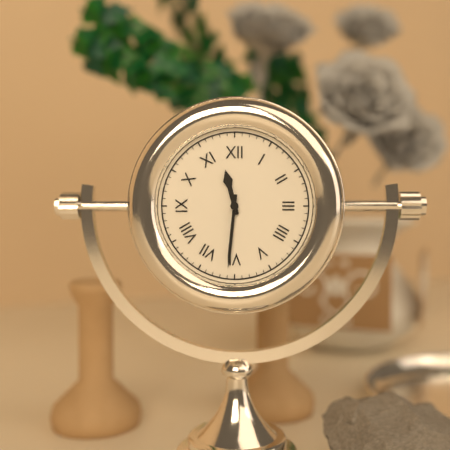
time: 11.31
